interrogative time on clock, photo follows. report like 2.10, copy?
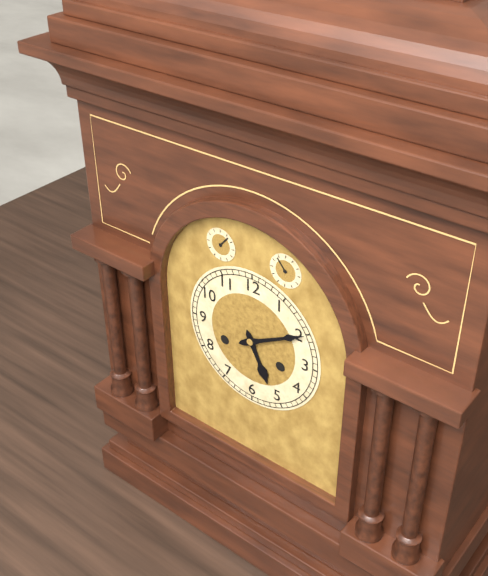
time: 5.10
